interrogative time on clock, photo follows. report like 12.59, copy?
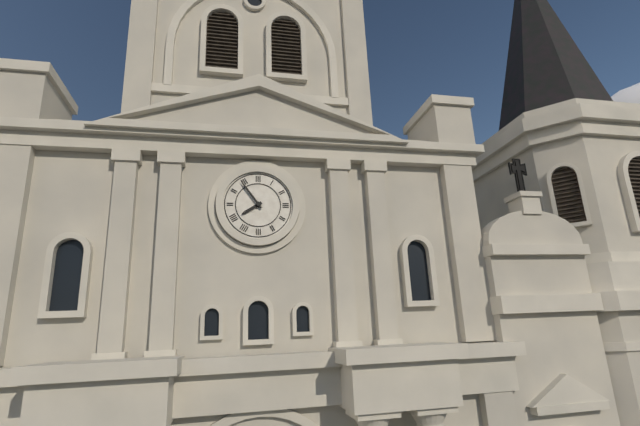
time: 7.54
